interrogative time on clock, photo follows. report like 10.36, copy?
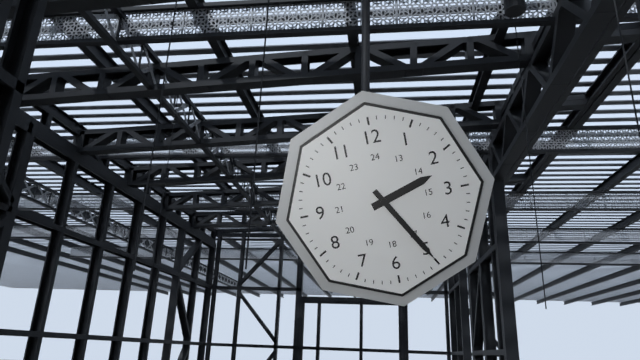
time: 2.25
